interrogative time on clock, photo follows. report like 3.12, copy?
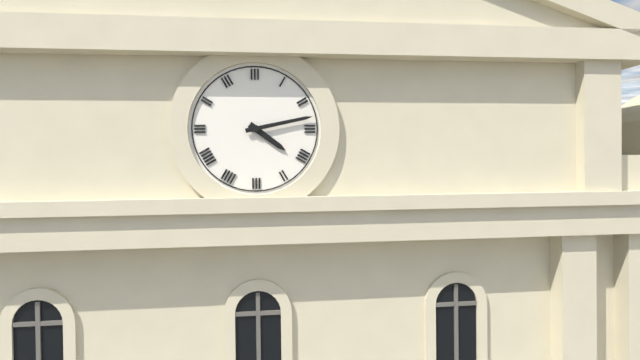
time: 4.13
